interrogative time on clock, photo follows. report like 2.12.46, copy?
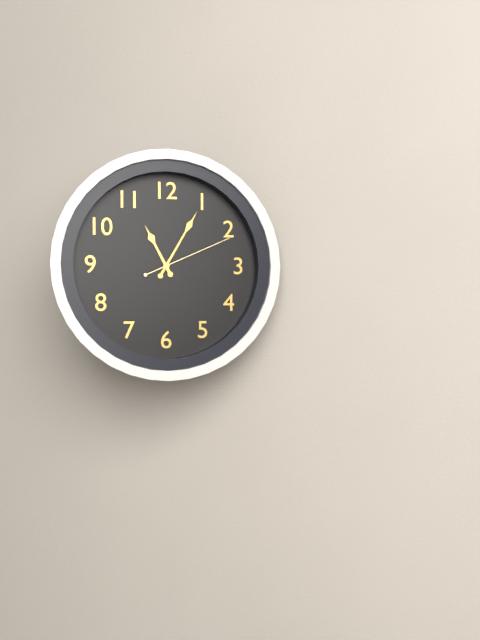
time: 11.05.11
